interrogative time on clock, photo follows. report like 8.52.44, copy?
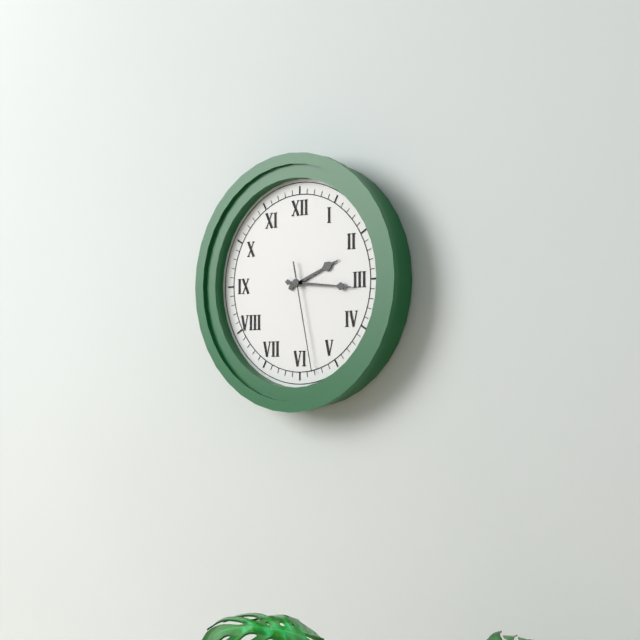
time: 2.16.28
